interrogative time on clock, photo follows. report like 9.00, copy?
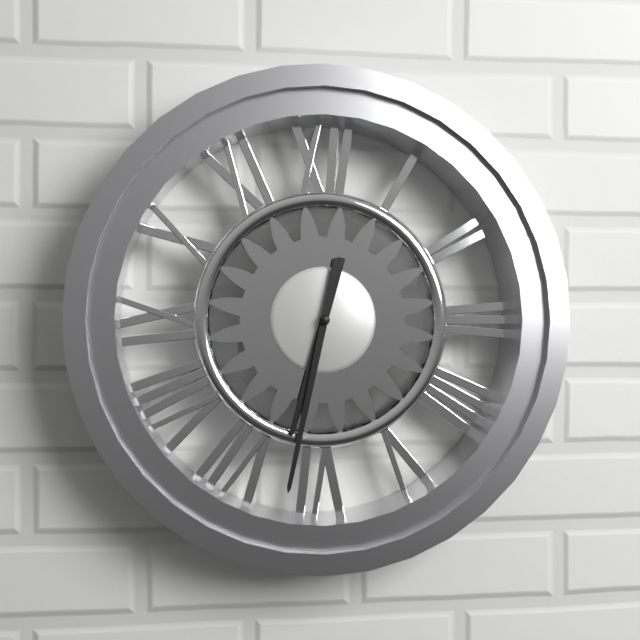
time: 6.32
